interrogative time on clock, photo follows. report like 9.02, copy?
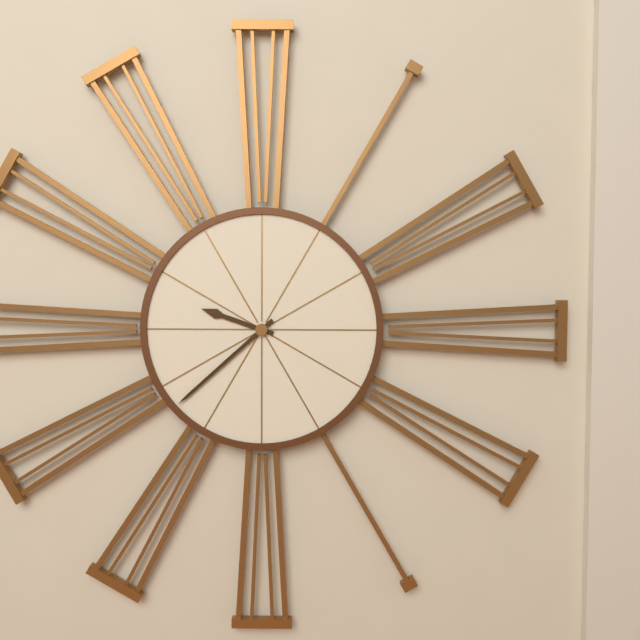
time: 9.38
